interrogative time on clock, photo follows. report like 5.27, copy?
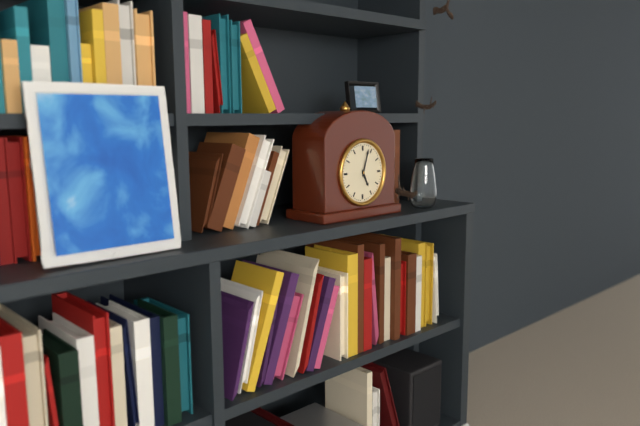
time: 5.03
